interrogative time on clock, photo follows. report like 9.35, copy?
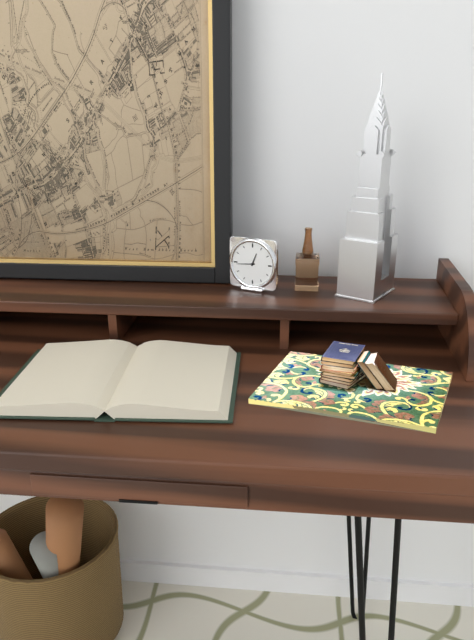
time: 12.44
